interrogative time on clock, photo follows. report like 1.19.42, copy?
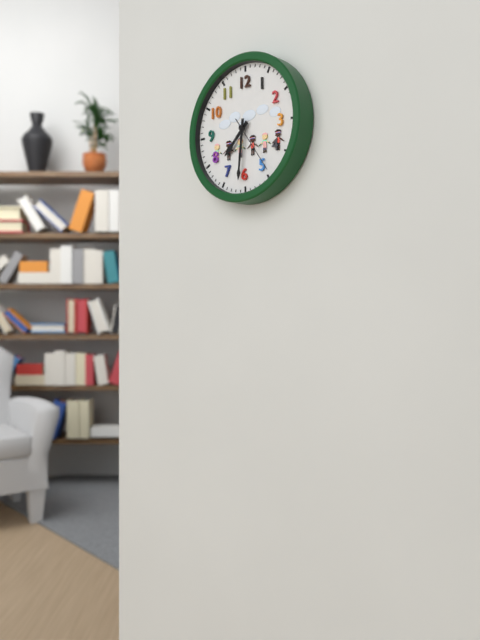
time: 7.31.24
